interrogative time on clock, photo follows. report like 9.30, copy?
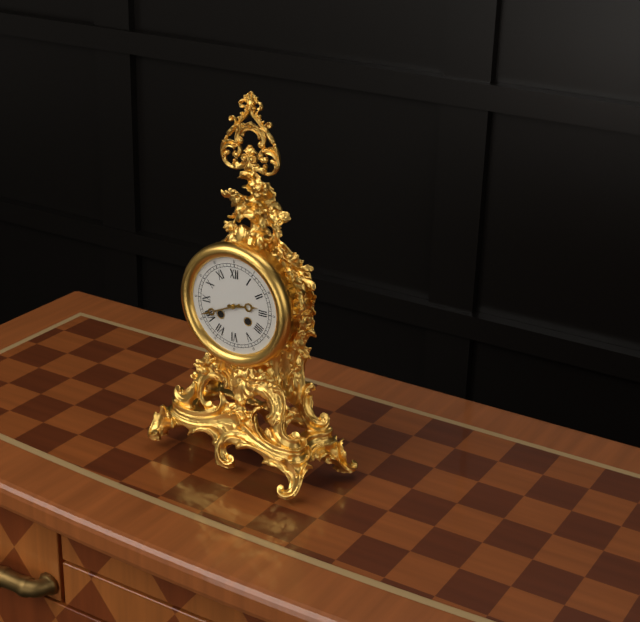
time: 2.41
